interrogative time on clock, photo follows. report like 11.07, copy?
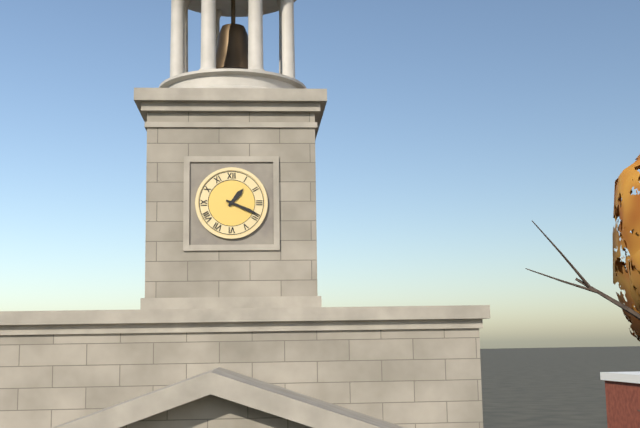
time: 1.19
